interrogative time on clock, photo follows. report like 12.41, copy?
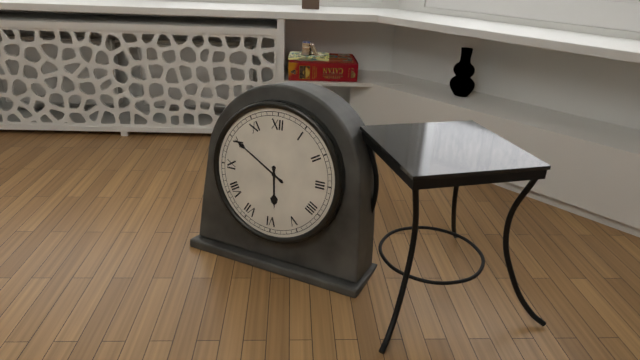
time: 5.50
